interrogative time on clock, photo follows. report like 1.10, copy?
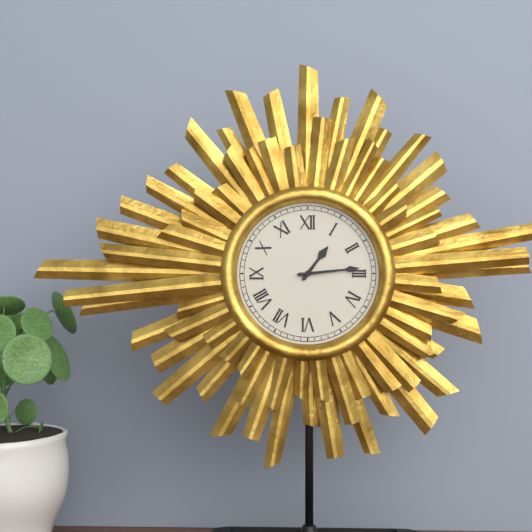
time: 1.14
